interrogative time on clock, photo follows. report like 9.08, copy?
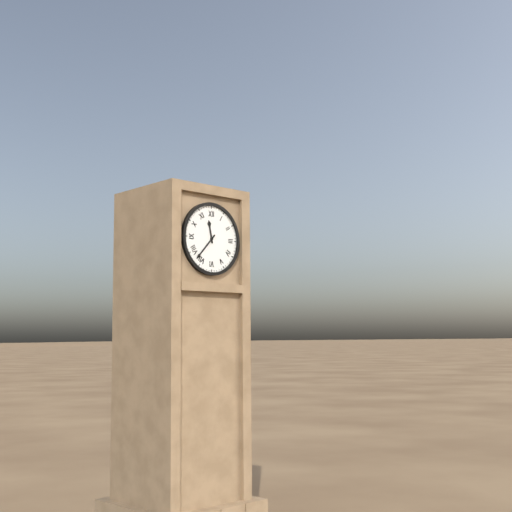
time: 11.37
